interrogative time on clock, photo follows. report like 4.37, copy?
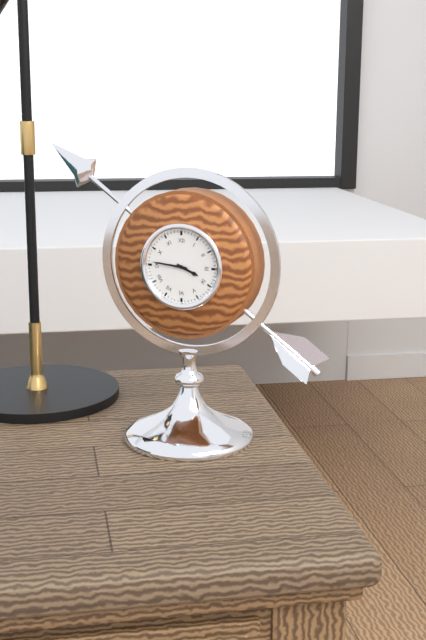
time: 3.46
